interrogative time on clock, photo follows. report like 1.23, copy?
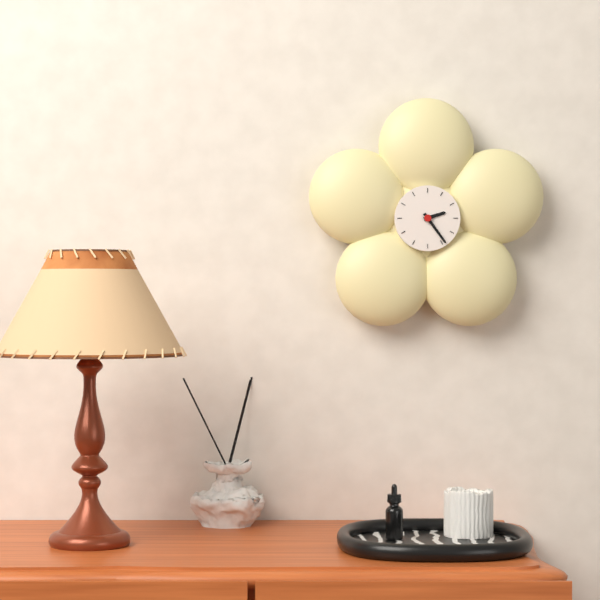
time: 2.24
